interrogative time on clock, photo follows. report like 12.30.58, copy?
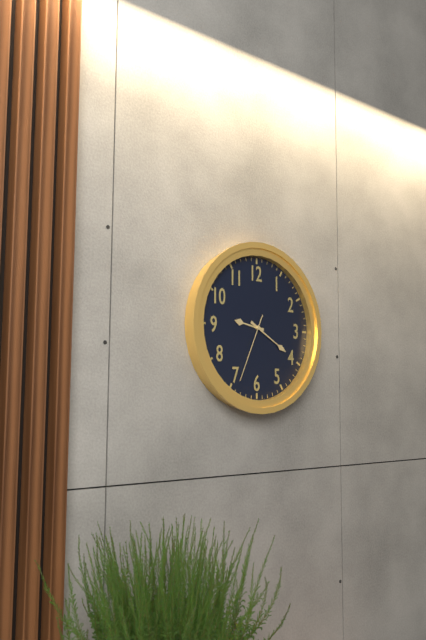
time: 9.20.34
